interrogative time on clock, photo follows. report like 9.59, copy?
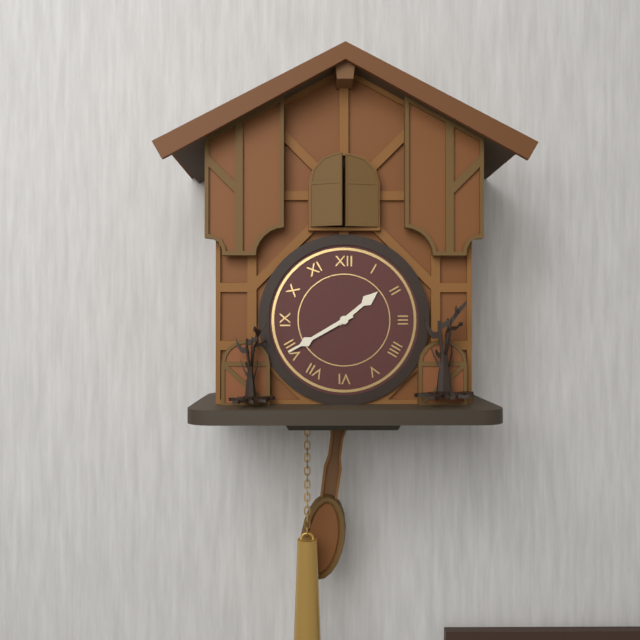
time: 1.40
